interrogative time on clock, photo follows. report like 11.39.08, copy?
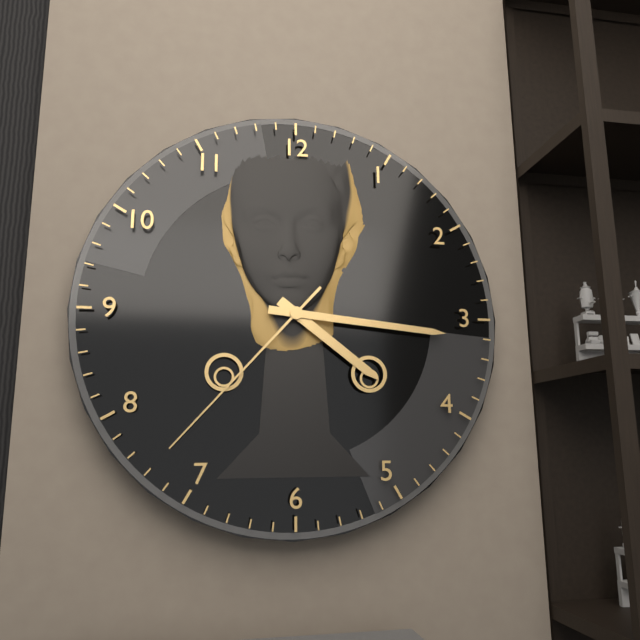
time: 4.16.37
